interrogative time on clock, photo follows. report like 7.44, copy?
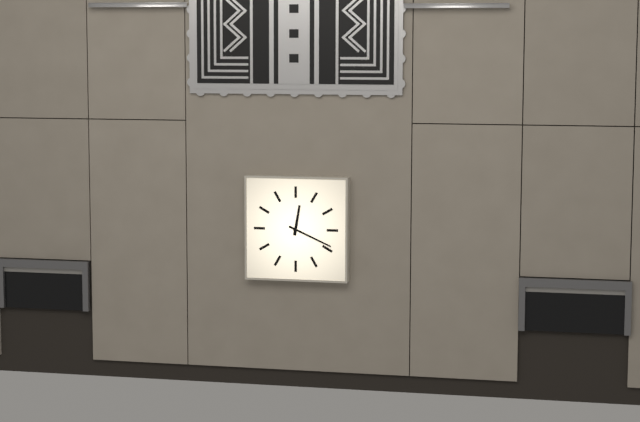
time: 12.19
